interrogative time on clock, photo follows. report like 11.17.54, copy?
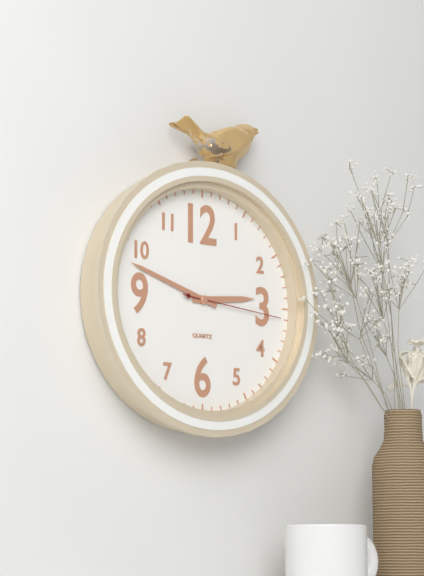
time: 2.48.16
